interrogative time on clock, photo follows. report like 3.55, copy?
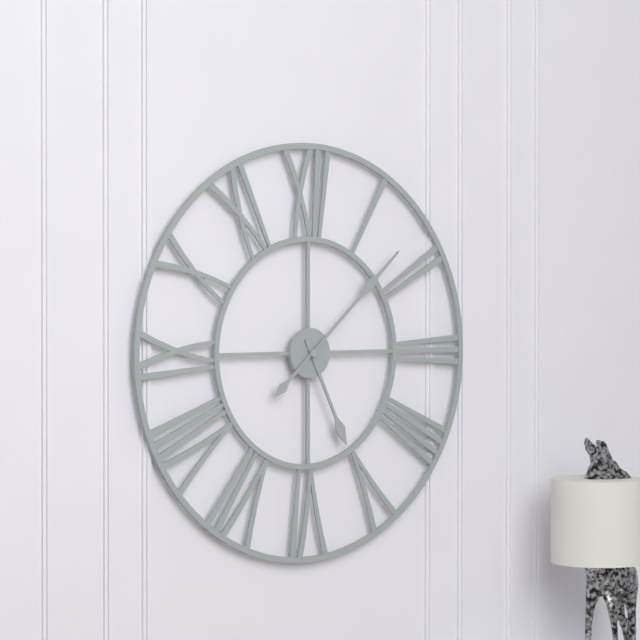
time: 5.08
